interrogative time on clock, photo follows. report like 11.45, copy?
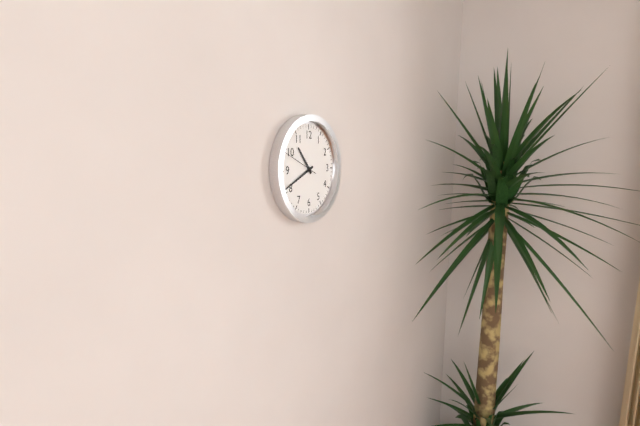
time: 10.41
